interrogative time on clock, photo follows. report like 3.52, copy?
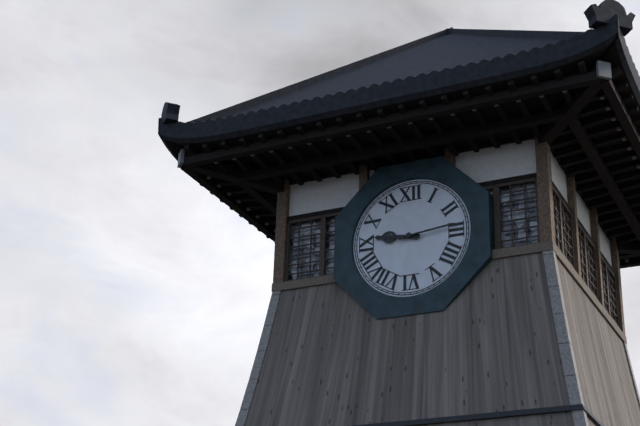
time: 9.14
